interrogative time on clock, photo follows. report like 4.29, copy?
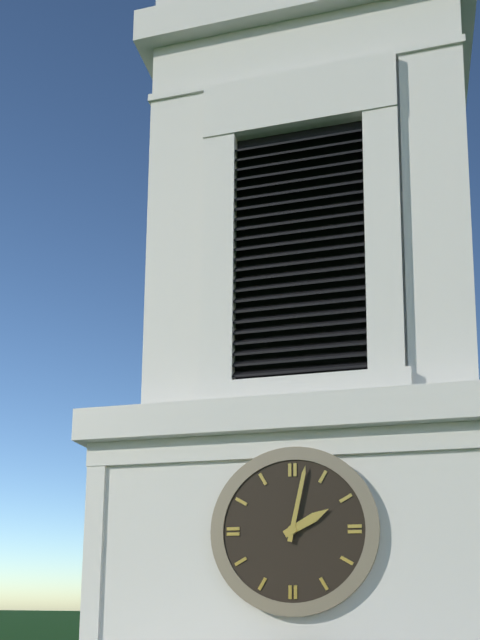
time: 2.02
